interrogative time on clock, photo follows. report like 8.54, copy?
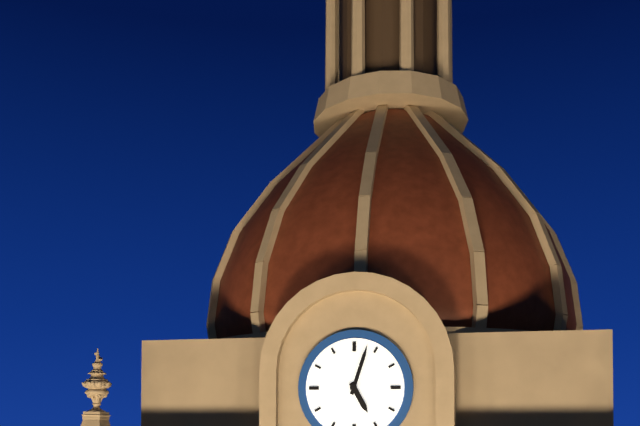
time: 5.03
